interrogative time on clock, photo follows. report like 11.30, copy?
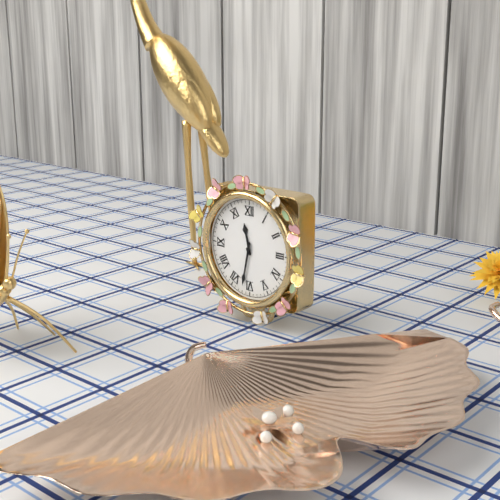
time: 11.32
